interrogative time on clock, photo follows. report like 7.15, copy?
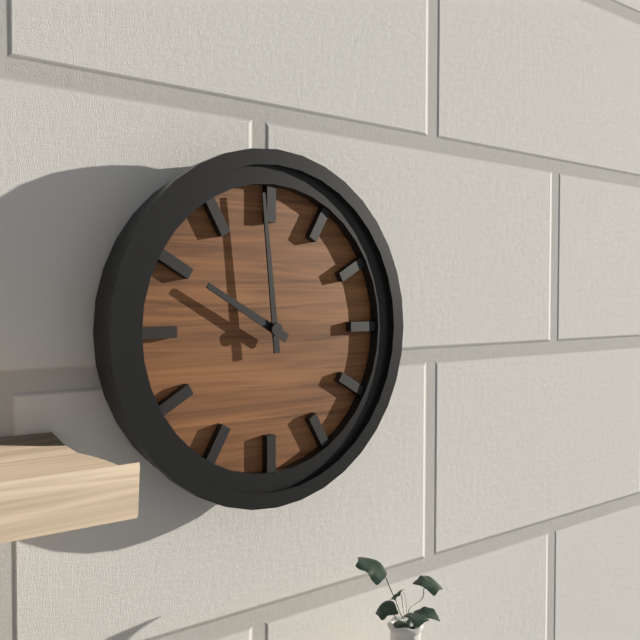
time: 9.59
